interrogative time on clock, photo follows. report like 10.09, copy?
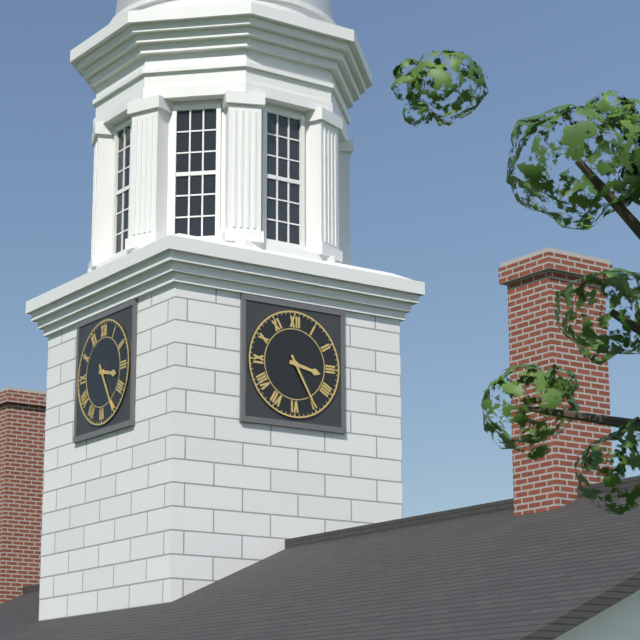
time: 3.25
